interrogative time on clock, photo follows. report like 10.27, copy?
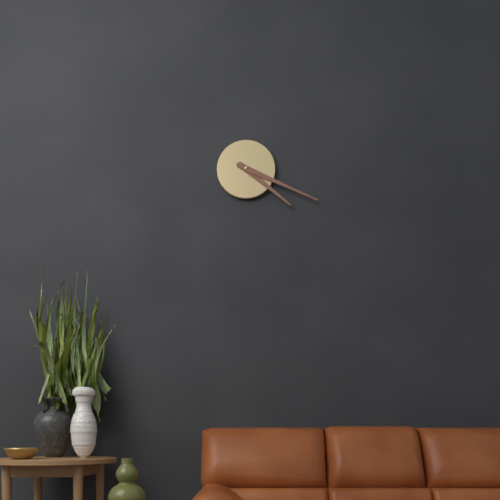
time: 4.19
